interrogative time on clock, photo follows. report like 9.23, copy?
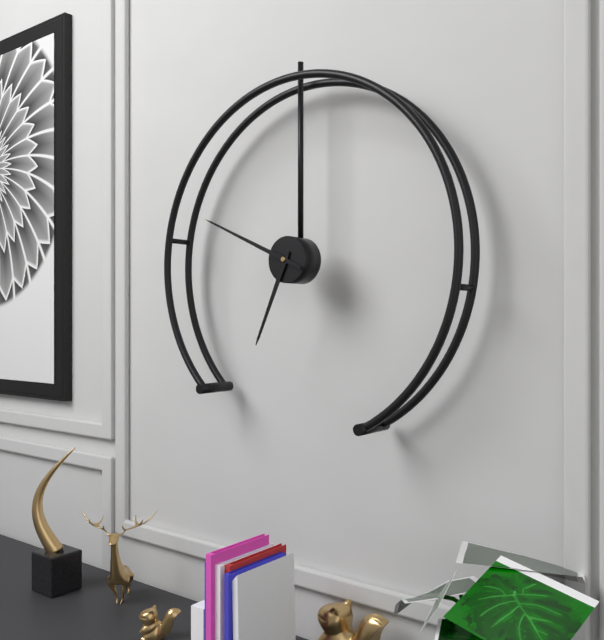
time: 6.49
